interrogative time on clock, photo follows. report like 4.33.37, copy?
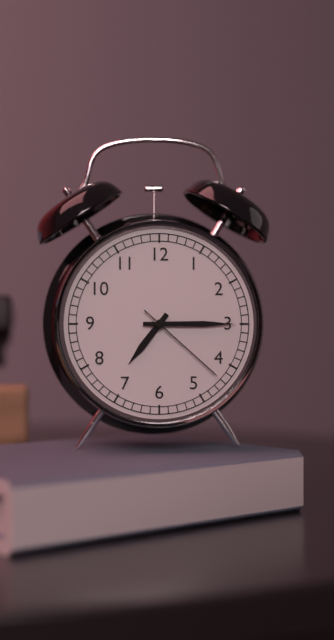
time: 7.15.22
